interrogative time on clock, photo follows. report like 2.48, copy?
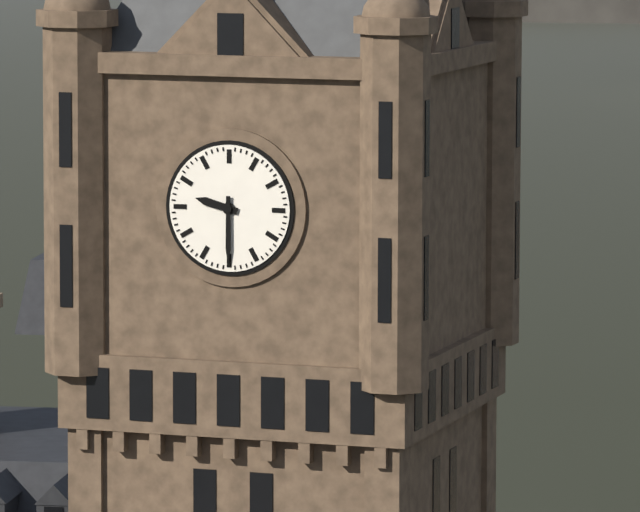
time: 9.30
